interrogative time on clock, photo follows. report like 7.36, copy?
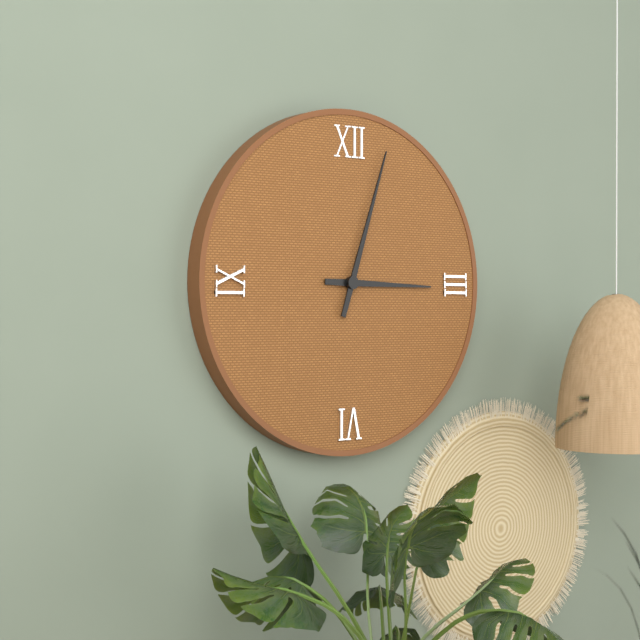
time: 3.03
